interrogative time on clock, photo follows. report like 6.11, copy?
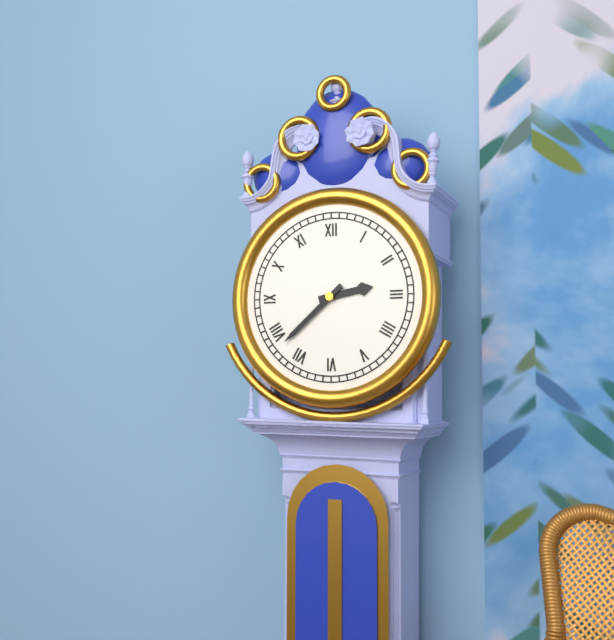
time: 2.38
